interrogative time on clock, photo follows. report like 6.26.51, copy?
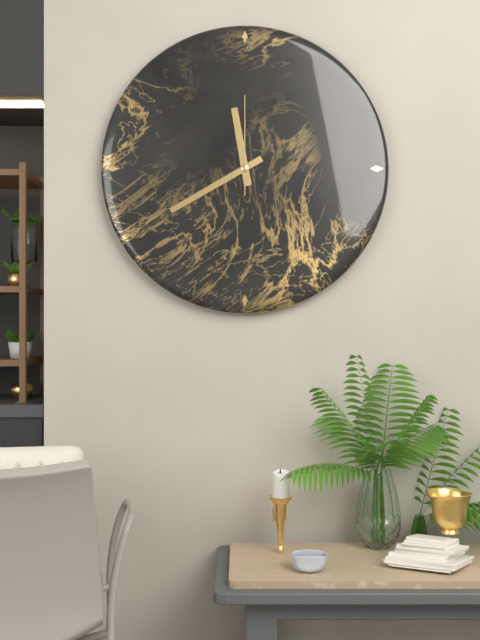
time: 11.40.00
